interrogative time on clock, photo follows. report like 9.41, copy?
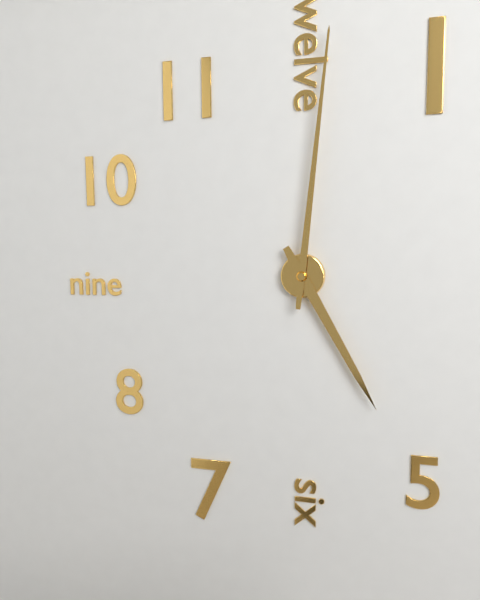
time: 5.01
